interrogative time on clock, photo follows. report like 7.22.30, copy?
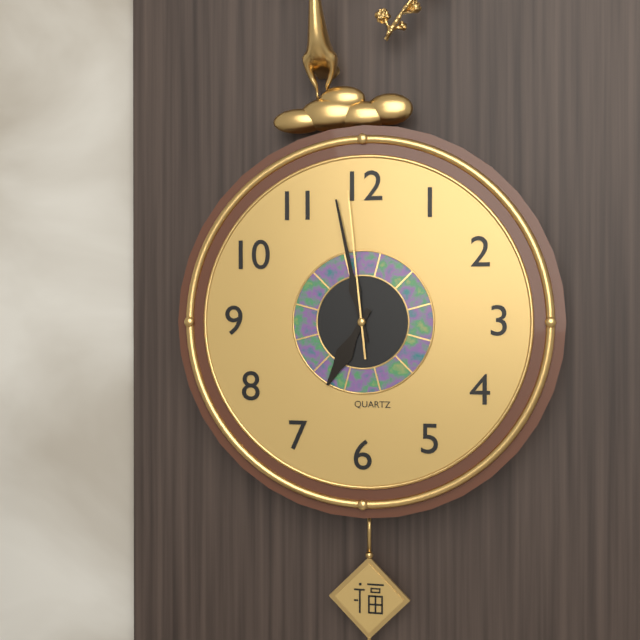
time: 6.58.59
